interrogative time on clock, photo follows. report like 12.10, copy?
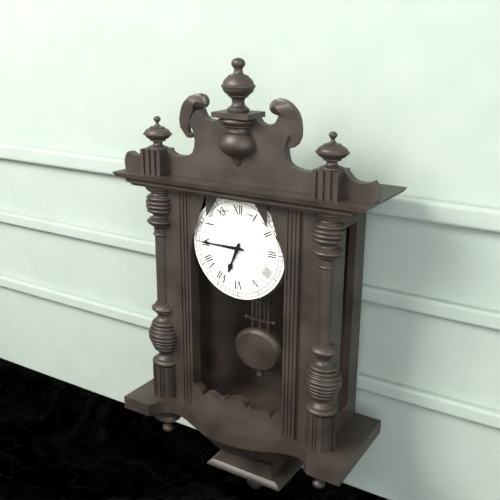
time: 6.45
